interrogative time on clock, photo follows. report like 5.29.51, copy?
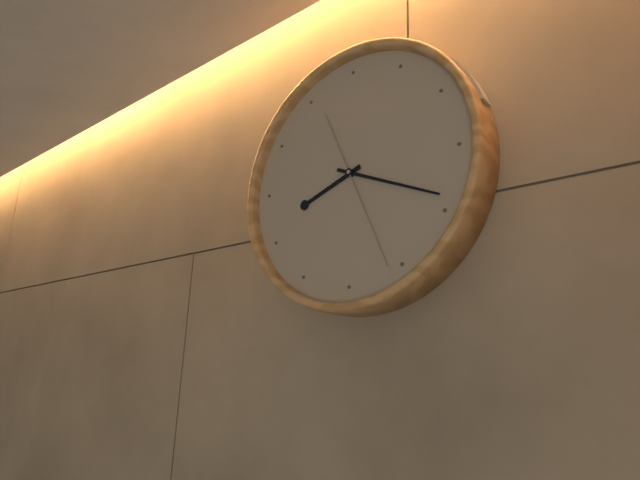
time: 8.19.26
